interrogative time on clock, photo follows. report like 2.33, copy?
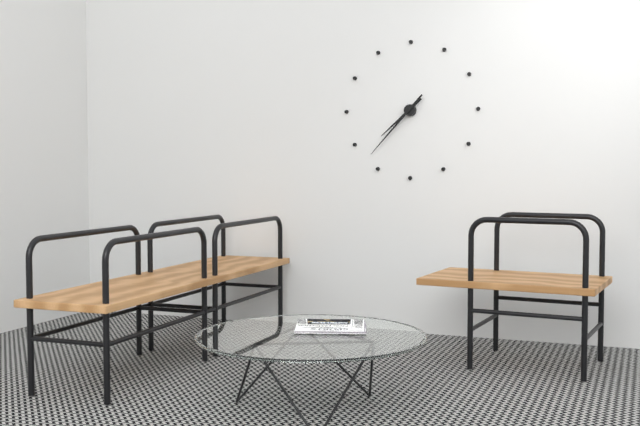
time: 7.37
